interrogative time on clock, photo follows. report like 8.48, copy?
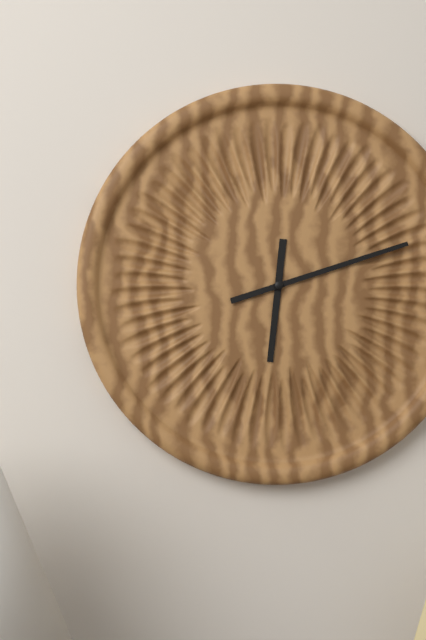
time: 6.12
